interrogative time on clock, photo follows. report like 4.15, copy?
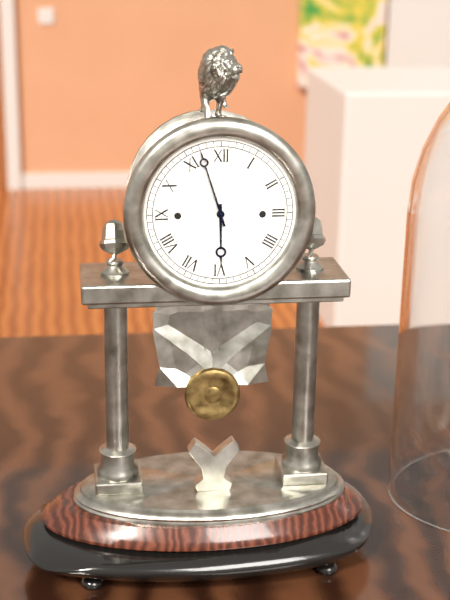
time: 5.57
